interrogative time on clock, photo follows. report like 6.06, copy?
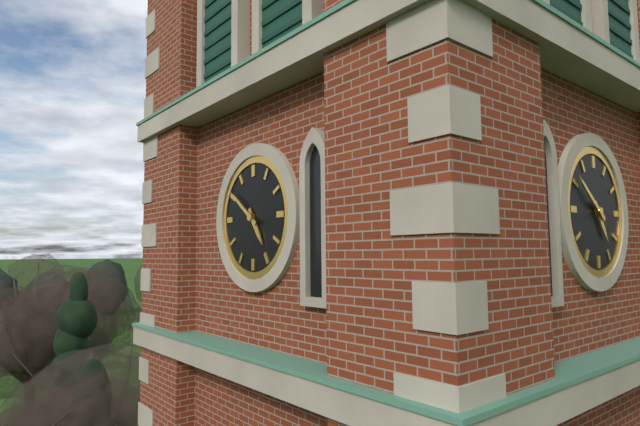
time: 4.51
